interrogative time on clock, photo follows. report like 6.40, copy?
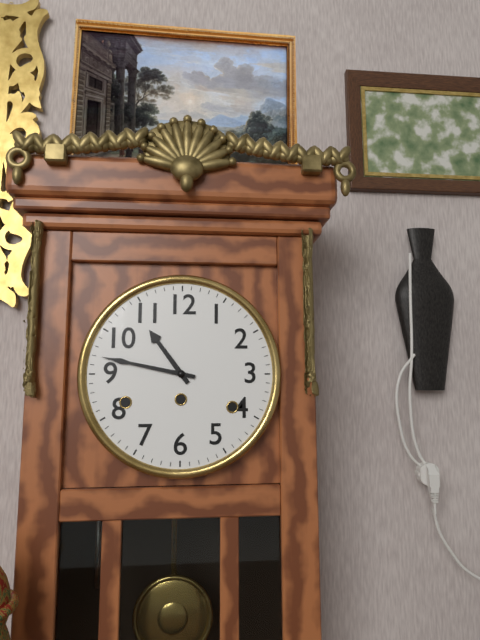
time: 10.47
